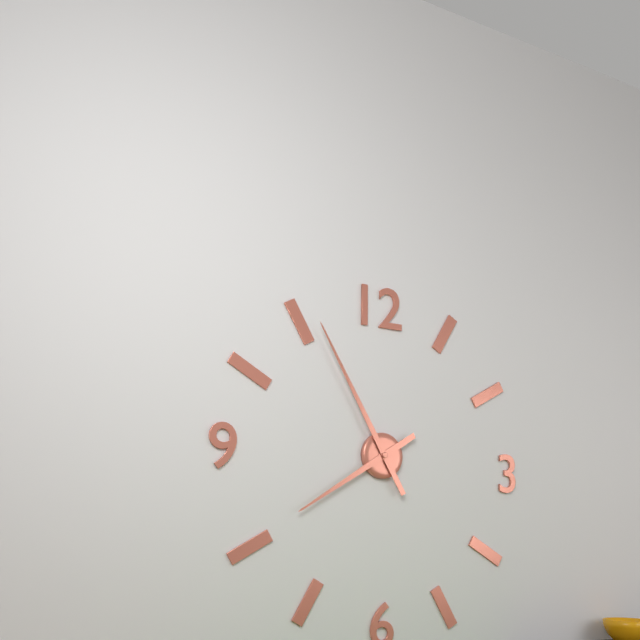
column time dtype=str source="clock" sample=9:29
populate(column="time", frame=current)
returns 7:55
